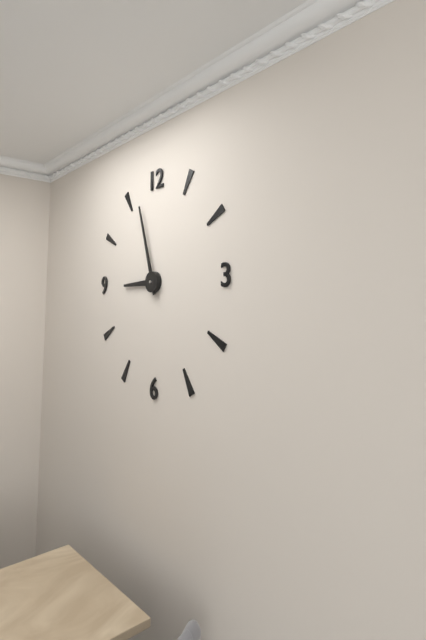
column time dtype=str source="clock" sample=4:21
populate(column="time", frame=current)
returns 8:57
